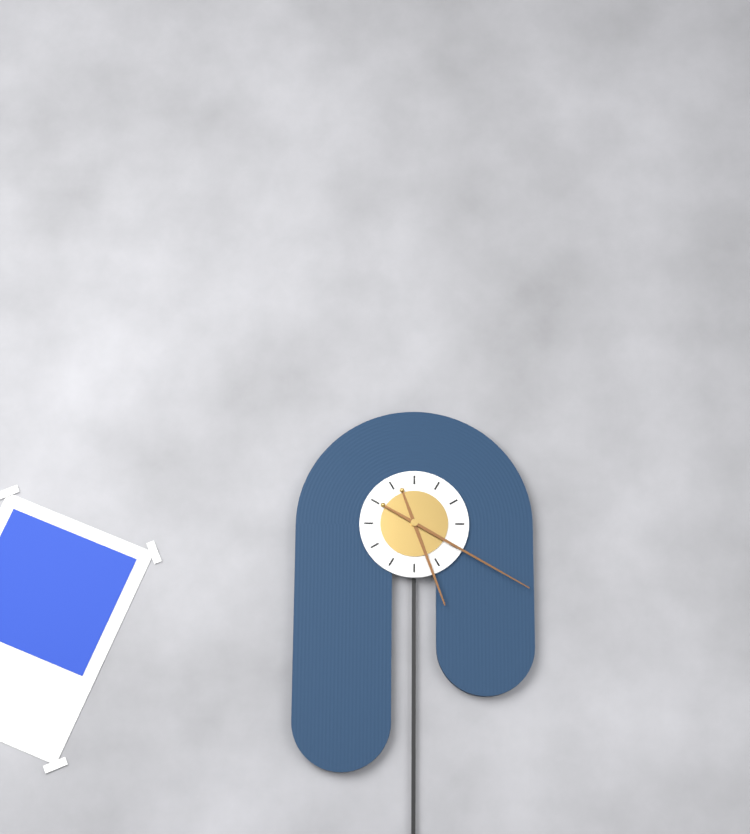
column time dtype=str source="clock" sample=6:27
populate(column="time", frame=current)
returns 5:20
